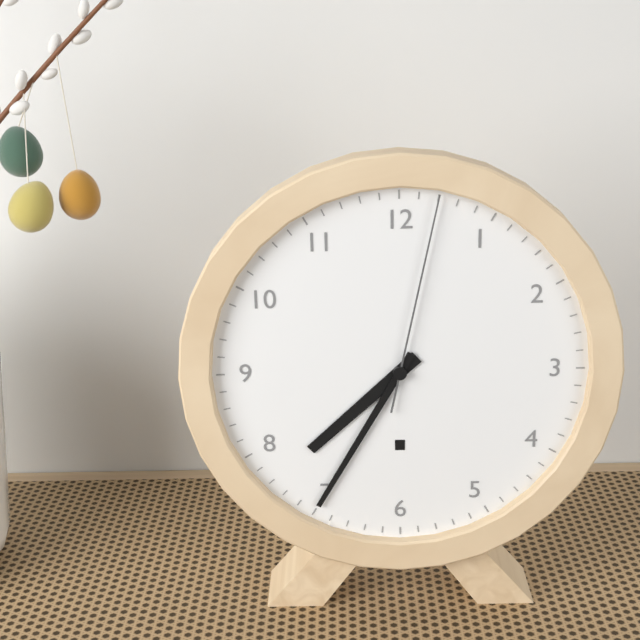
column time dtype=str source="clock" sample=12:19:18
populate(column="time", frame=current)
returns 7:35:02
